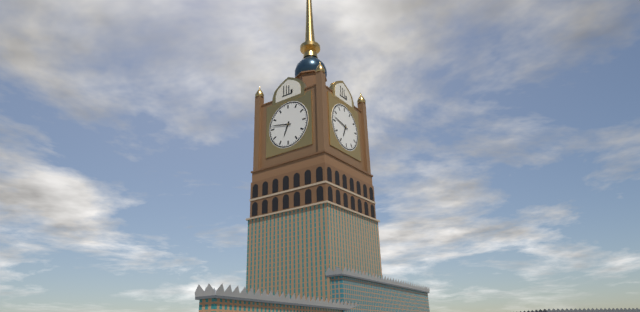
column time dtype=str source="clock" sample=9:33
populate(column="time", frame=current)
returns 6:47
